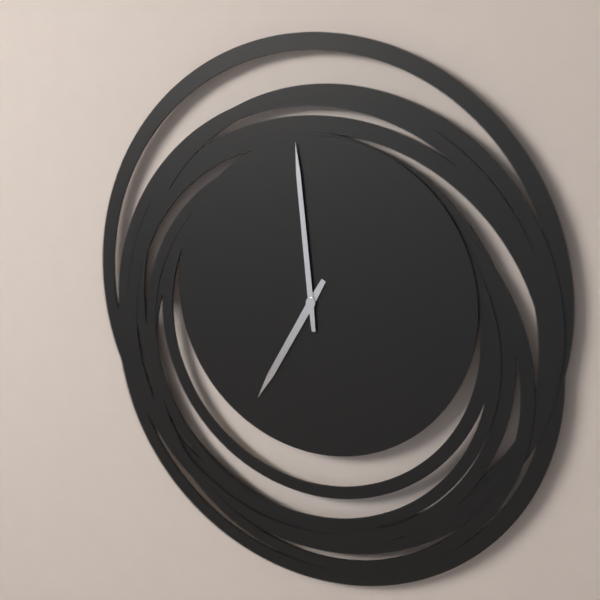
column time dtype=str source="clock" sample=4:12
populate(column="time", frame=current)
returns 6:59
